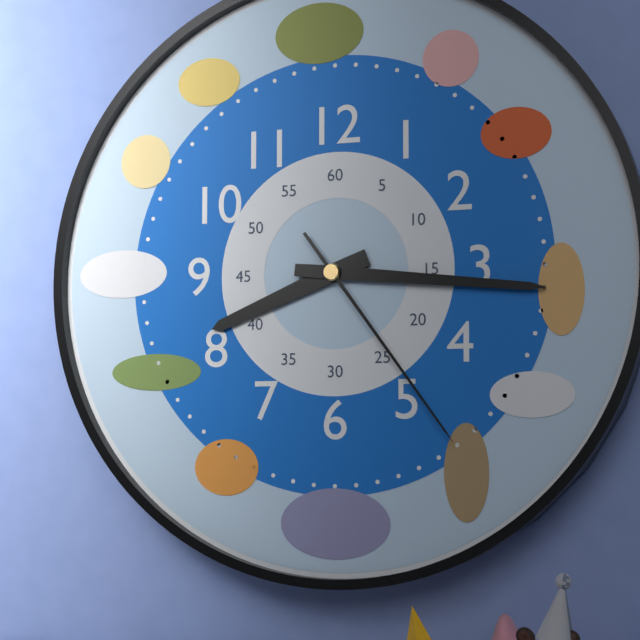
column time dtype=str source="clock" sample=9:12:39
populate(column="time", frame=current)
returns 8:16:24
